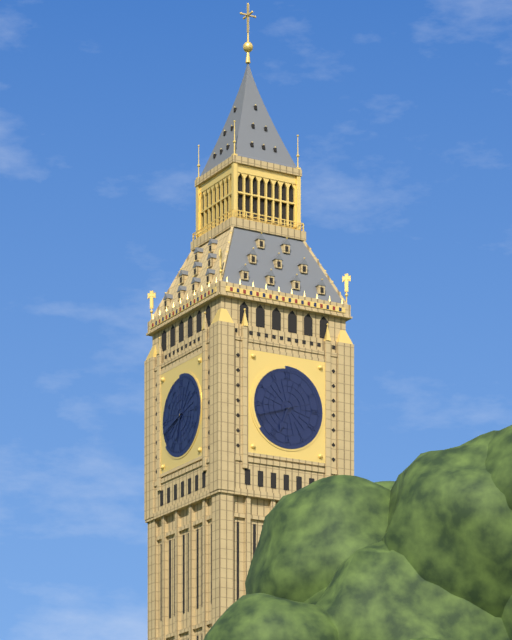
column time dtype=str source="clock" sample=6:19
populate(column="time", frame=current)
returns 6:42
